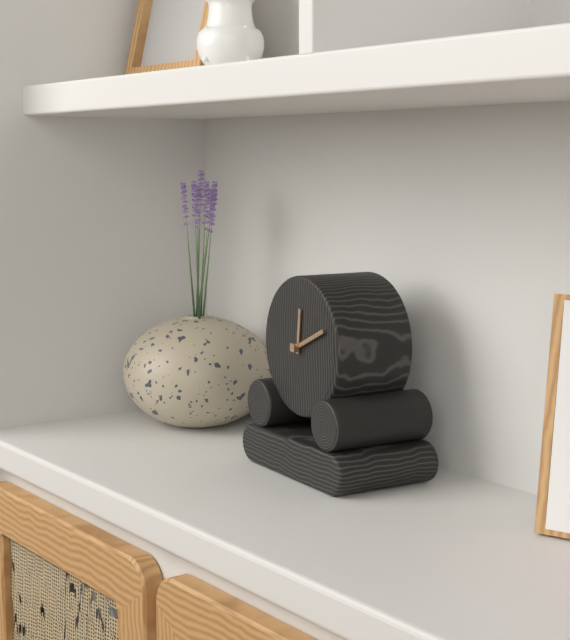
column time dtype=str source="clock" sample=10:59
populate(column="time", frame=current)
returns 12:11
